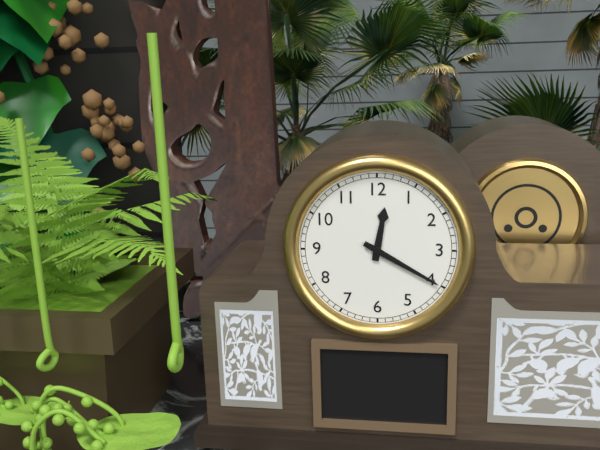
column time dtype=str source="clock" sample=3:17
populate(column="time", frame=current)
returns 12:20
